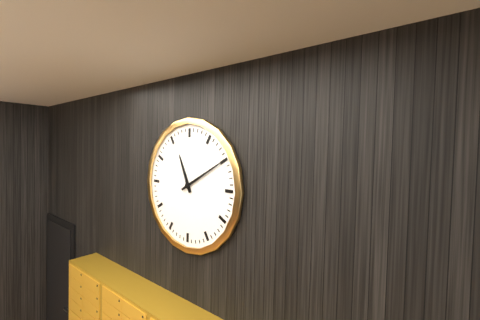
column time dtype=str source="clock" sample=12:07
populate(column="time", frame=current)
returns 11:10
